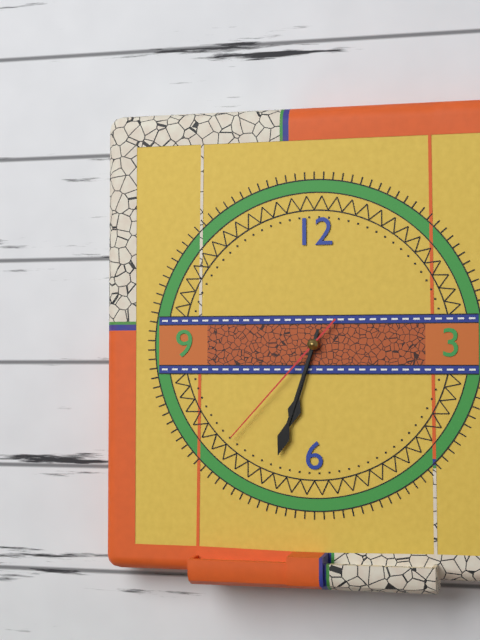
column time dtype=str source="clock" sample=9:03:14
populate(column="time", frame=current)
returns 6:33:37
